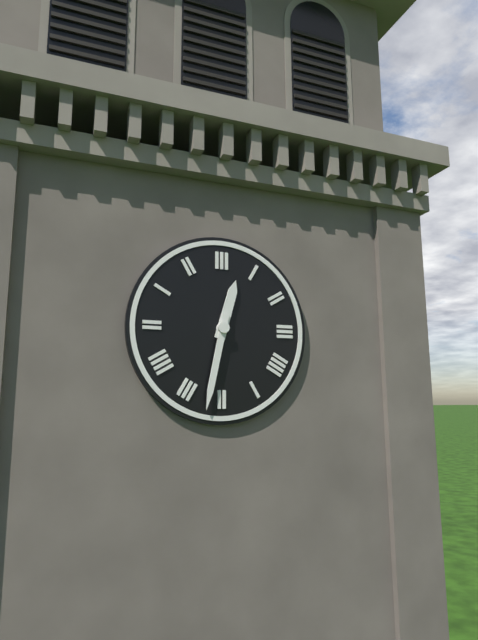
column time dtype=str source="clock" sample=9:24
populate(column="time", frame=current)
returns 12:32
